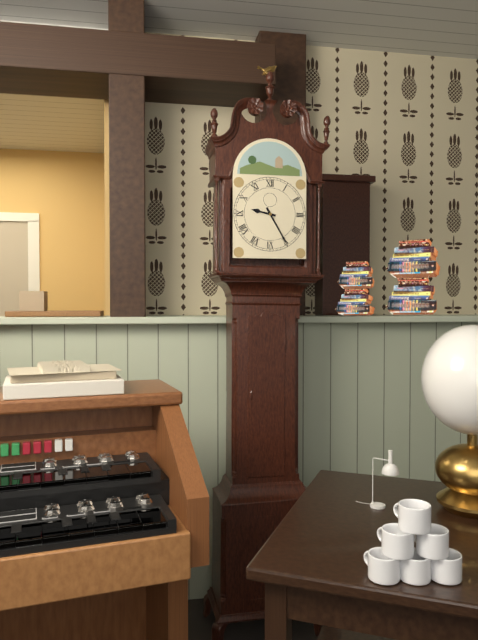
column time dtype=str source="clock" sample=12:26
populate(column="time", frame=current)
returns 9:25
